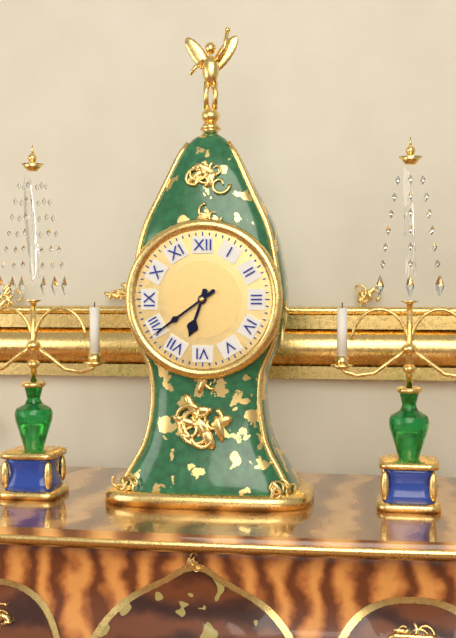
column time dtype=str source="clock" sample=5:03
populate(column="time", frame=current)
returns 6:39
